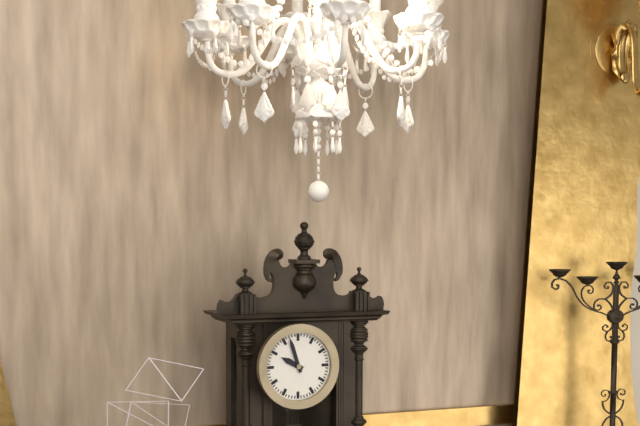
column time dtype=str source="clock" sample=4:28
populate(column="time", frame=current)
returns 9:57
